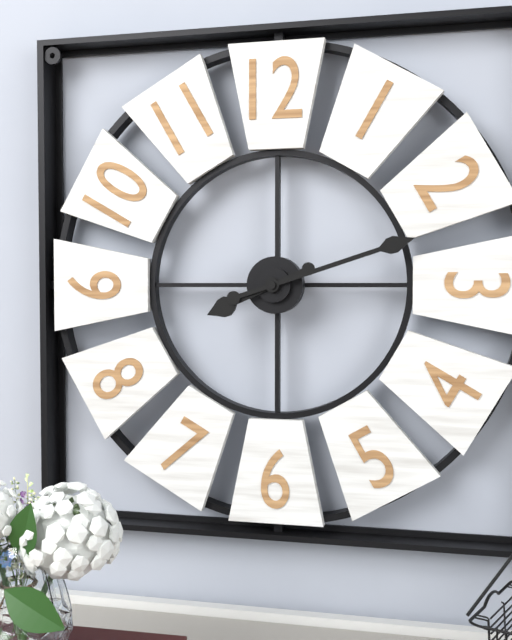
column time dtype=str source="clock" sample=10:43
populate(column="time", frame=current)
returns 8:12
